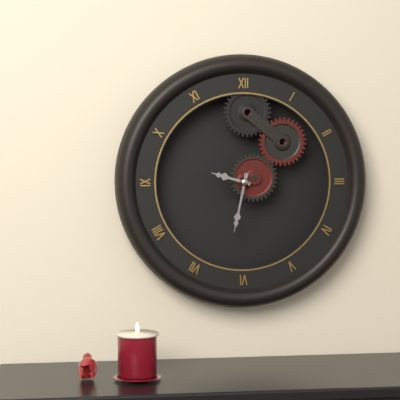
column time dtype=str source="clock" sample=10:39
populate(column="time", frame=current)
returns 9:32
